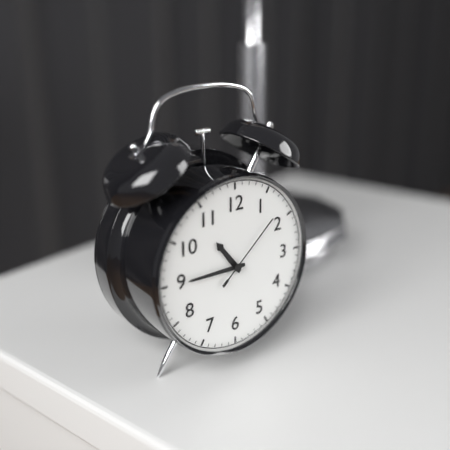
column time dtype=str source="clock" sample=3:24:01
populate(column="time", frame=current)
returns 10:45:08
